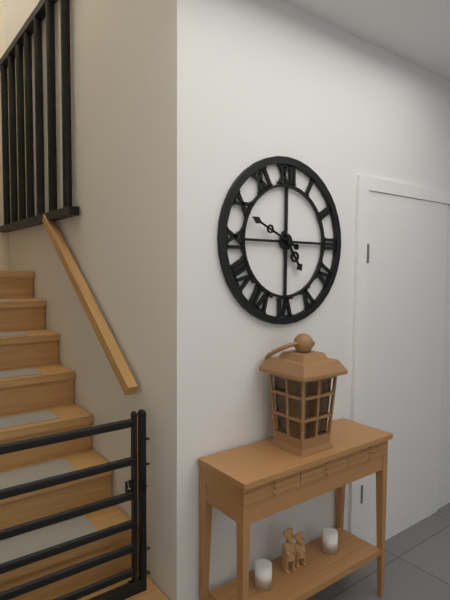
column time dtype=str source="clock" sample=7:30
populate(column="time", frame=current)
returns 4:49
